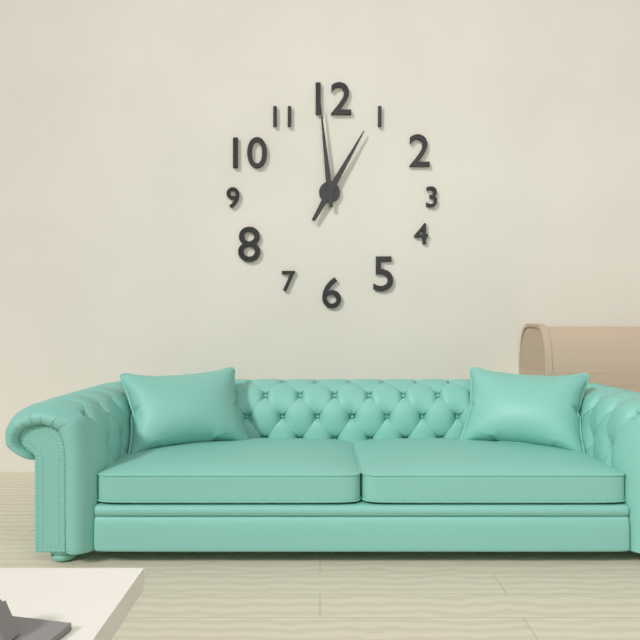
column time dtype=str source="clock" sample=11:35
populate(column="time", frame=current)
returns 12:59
